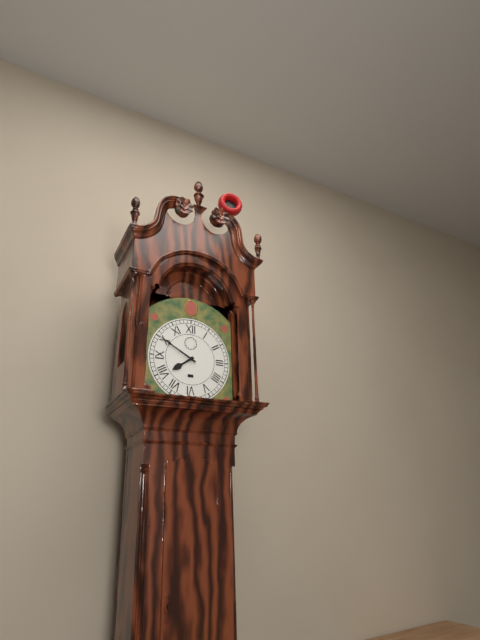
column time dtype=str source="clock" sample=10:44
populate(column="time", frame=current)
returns 7:50
